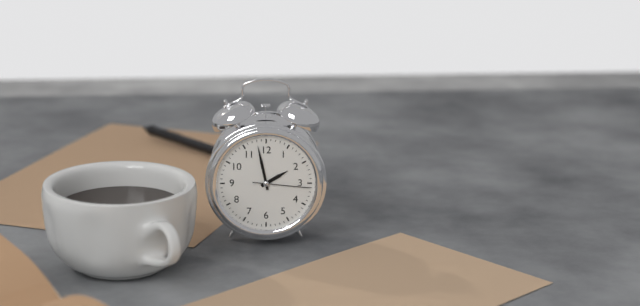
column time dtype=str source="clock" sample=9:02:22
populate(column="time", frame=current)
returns 1:58:16
